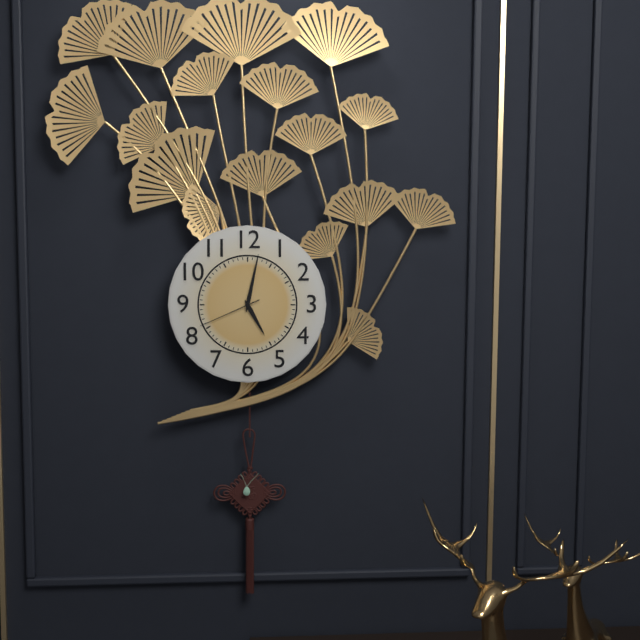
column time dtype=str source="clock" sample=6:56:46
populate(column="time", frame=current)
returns 5:02:41
